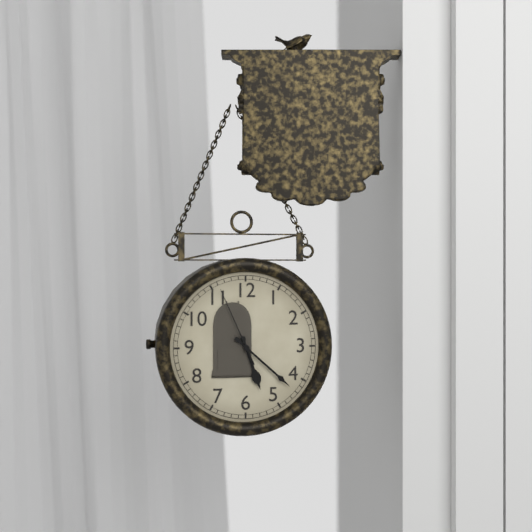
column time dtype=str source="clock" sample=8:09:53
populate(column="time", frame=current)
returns 5:22:56
